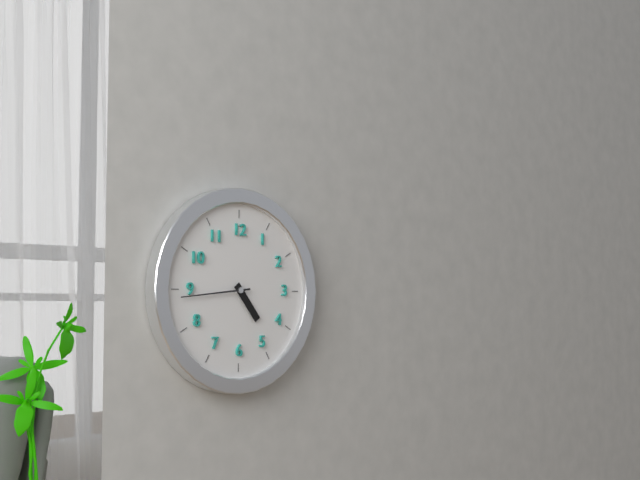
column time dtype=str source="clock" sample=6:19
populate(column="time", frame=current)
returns 4:44
